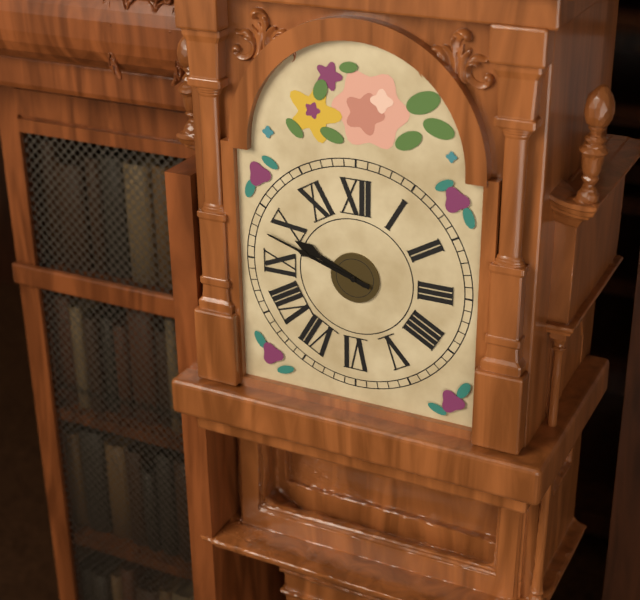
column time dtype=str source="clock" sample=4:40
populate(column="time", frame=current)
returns 9:48
